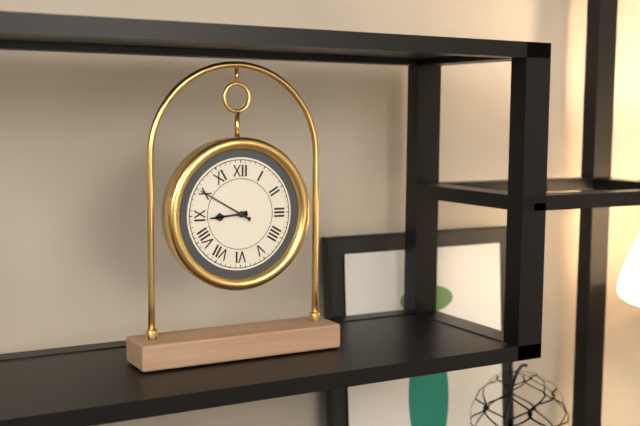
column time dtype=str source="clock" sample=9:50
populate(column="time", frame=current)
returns 8:50
